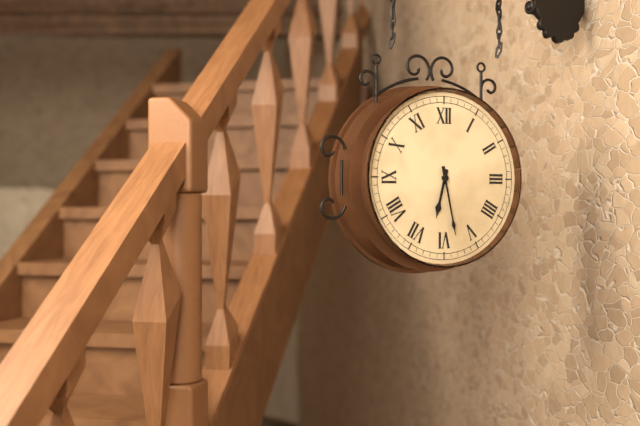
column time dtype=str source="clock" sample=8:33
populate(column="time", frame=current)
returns 6:28
